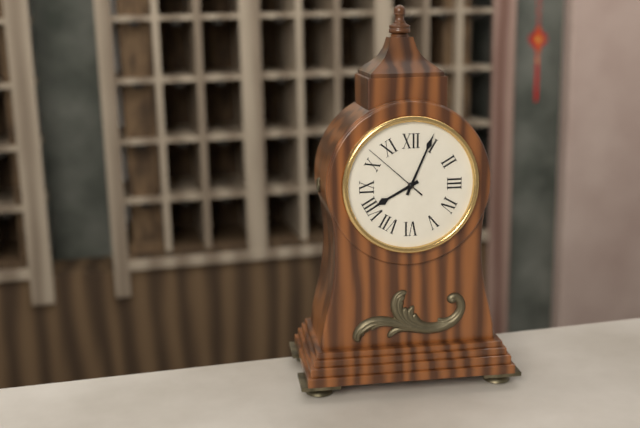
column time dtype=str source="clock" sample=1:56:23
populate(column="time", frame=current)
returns 8:04:52
